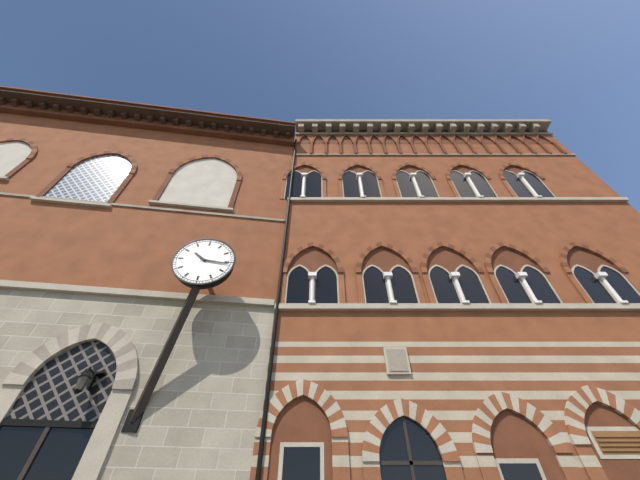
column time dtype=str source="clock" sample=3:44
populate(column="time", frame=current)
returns 10:16
